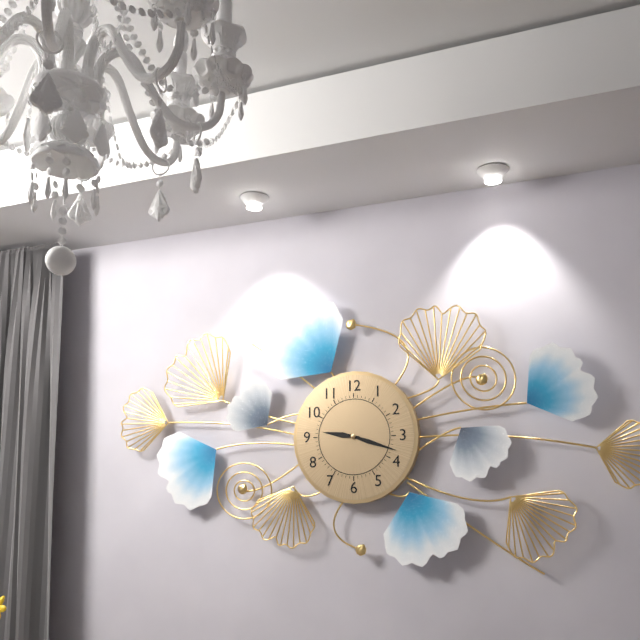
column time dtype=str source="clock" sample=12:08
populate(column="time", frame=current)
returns 9:18
